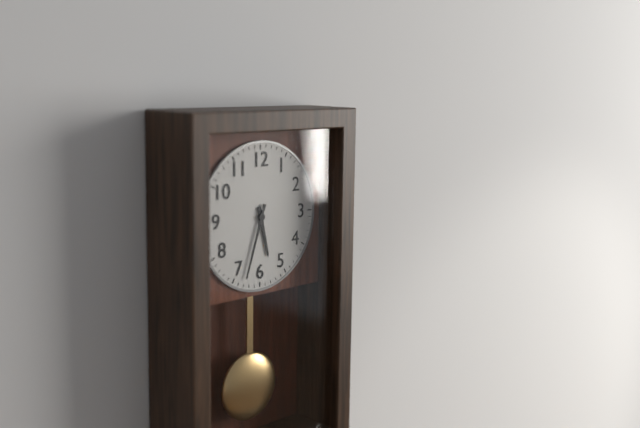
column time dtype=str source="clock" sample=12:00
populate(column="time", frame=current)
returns 5:33
